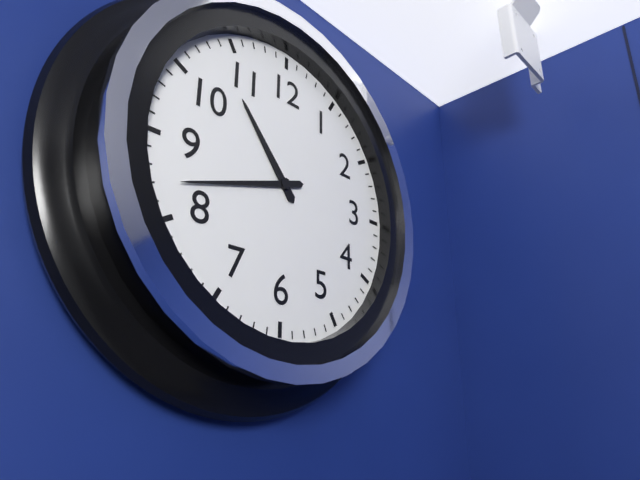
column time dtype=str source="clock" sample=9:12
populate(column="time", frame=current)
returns 10:42
